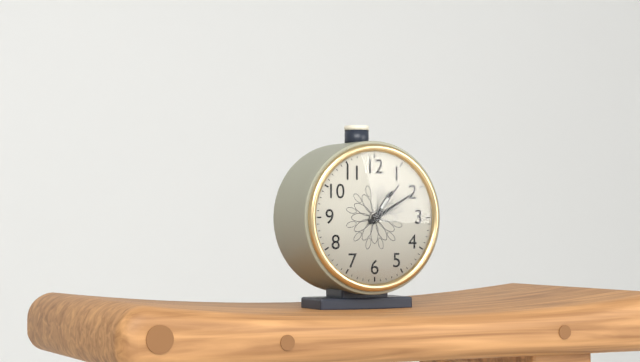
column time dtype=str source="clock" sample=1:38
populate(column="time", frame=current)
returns 1:10
